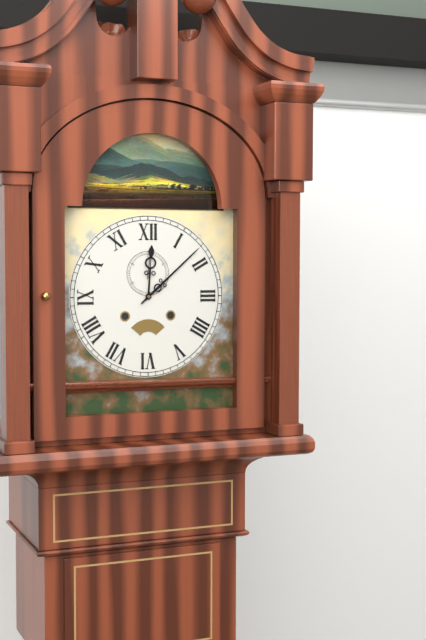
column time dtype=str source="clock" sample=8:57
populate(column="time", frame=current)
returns 12:08
